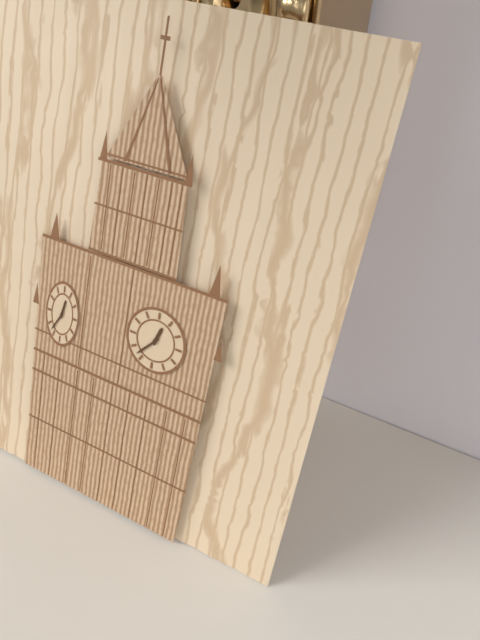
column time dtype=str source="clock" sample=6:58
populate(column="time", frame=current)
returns 12:37
